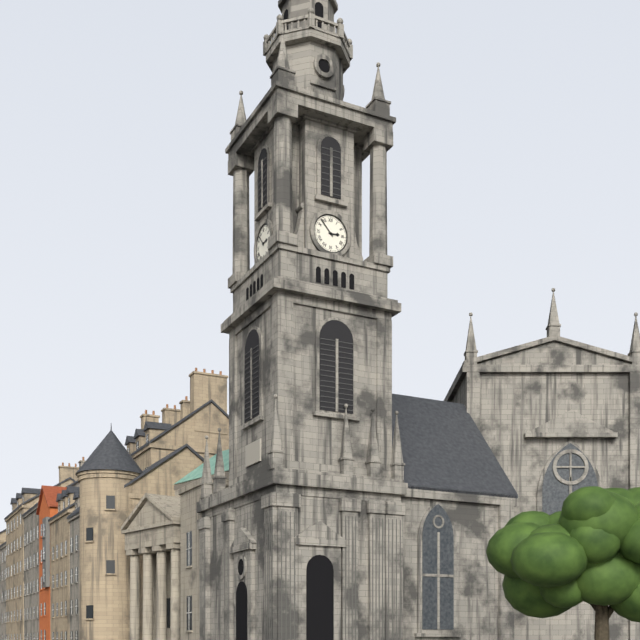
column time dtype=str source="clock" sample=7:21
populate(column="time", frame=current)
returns 2:53
